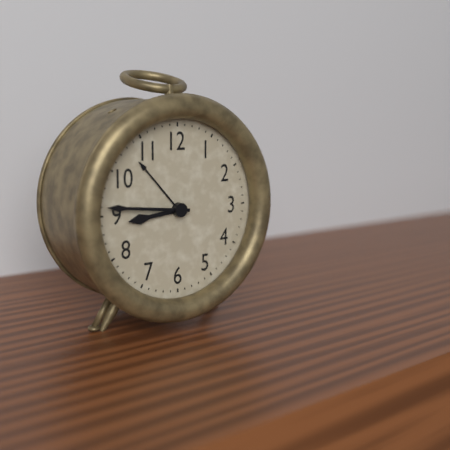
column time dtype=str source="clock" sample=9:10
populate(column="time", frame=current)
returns 8:46
